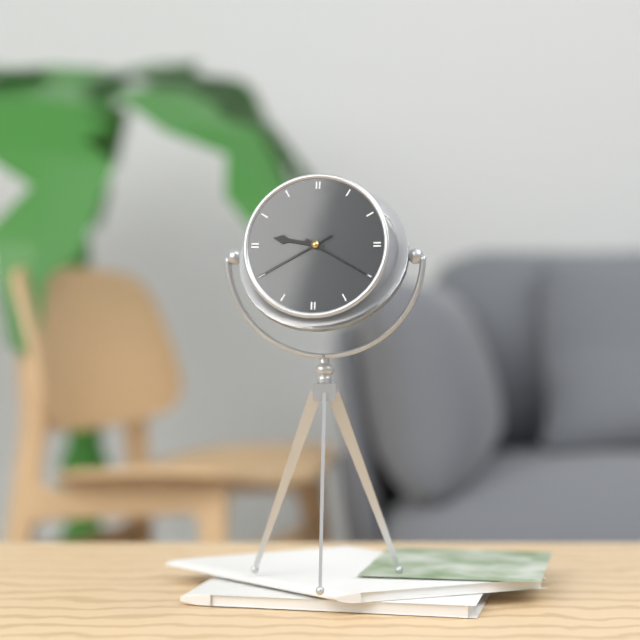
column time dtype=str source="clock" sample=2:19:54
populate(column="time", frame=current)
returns 9:20:40
